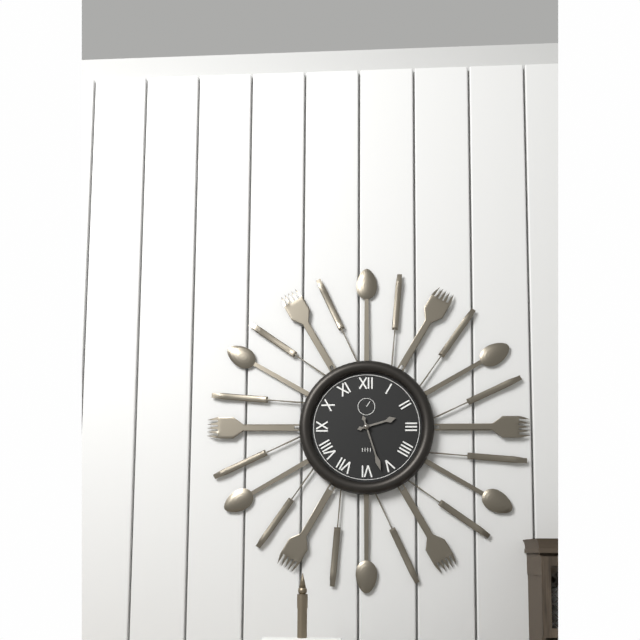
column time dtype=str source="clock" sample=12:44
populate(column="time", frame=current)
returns 2:27
